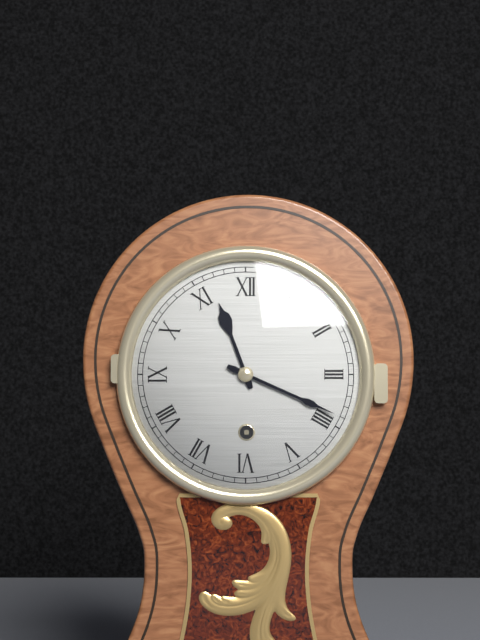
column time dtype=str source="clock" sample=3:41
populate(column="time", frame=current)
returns 11:19
